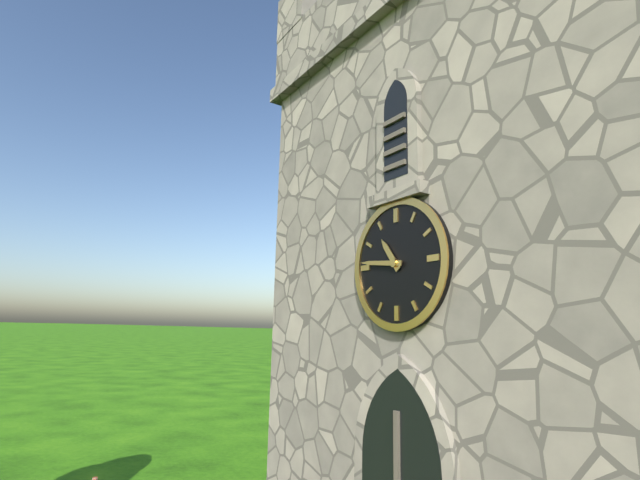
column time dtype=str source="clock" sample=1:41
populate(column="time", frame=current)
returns 10:46
